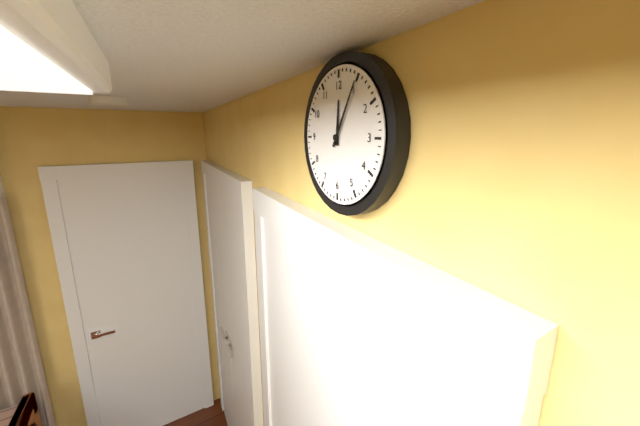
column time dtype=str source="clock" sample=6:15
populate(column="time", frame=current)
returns 12:05
